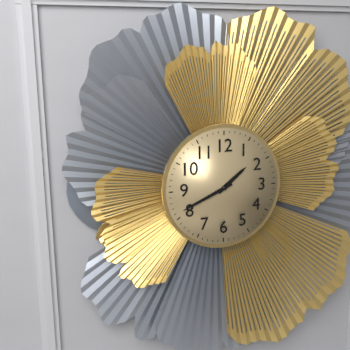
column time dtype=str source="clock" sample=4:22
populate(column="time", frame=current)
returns 1:41
